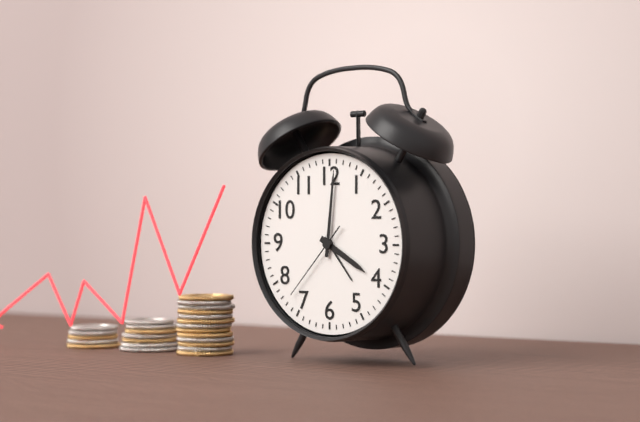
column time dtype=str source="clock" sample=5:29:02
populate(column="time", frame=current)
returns 4:01:37
